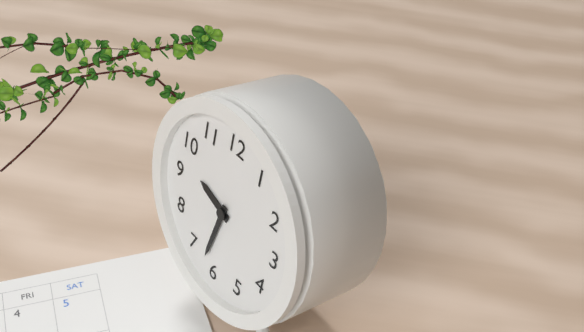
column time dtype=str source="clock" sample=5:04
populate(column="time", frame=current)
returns 9:32
